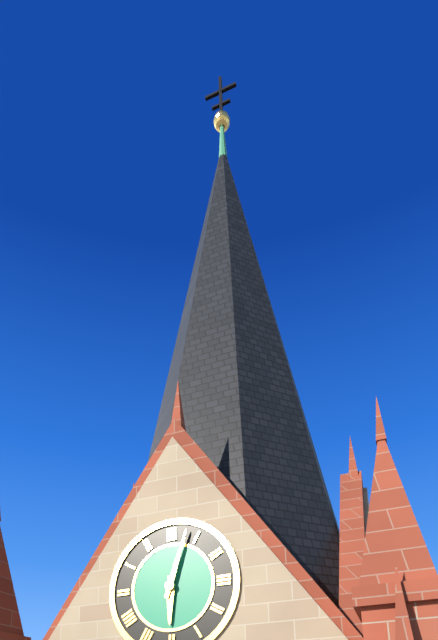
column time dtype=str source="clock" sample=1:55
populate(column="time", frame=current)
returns 6:03
